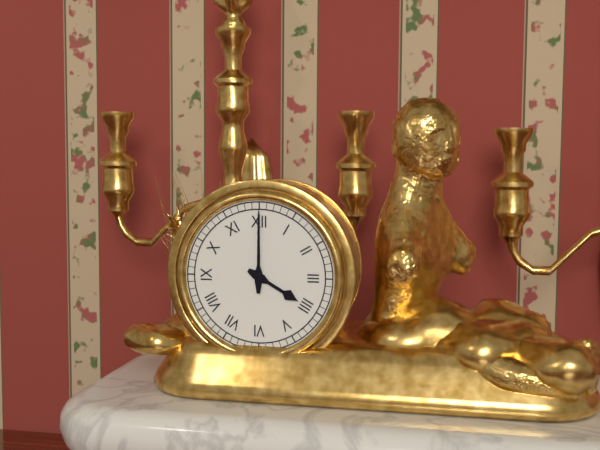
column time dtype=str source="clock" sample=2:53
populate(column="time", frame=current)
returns 4:00
